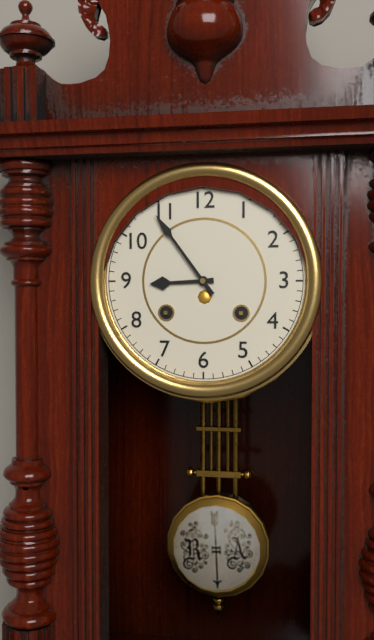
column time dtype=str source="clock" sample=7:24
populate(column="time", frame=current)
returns 8:54
